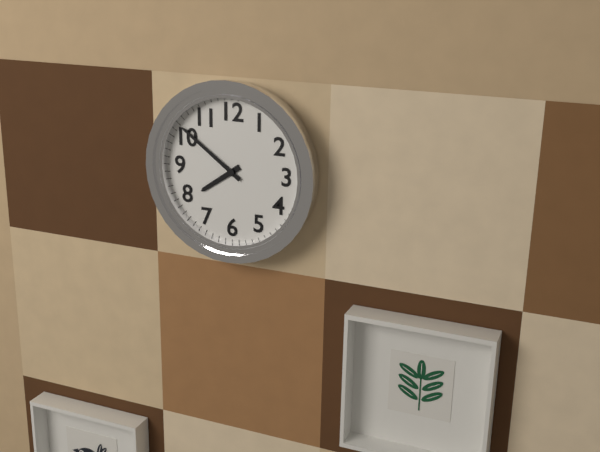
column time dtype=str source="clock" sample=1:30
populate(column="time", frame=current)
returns 7:51
